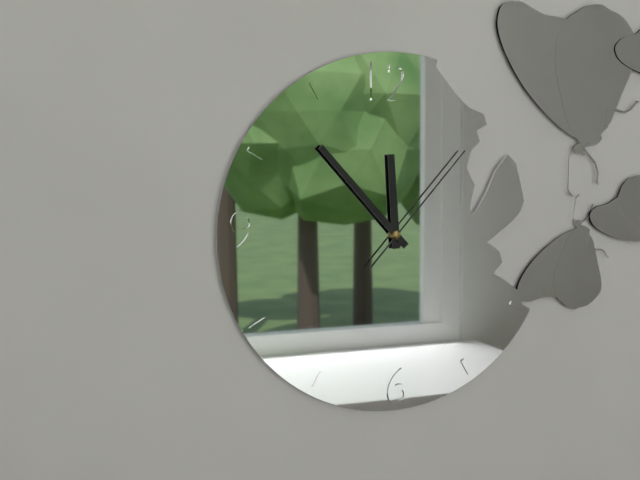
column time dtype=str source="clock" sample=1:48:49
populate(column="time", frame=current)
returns 11:53:07
